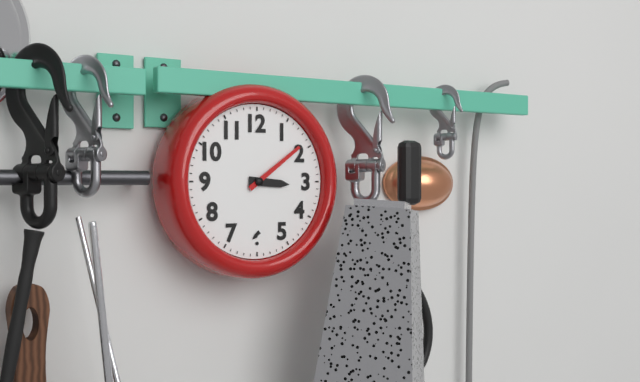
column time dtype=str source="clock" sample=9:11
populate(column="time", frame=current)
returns 3:09
